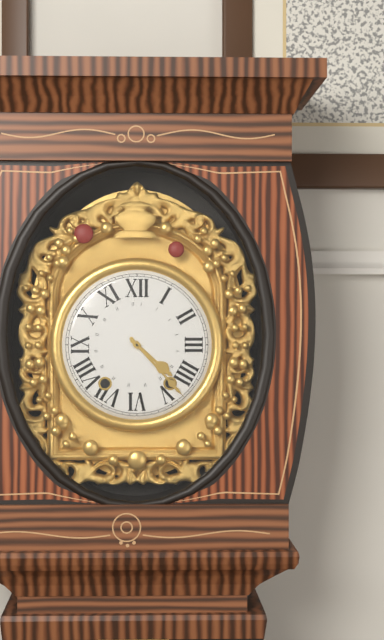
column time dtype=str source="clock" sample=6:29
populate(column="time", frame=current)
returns 4:23
